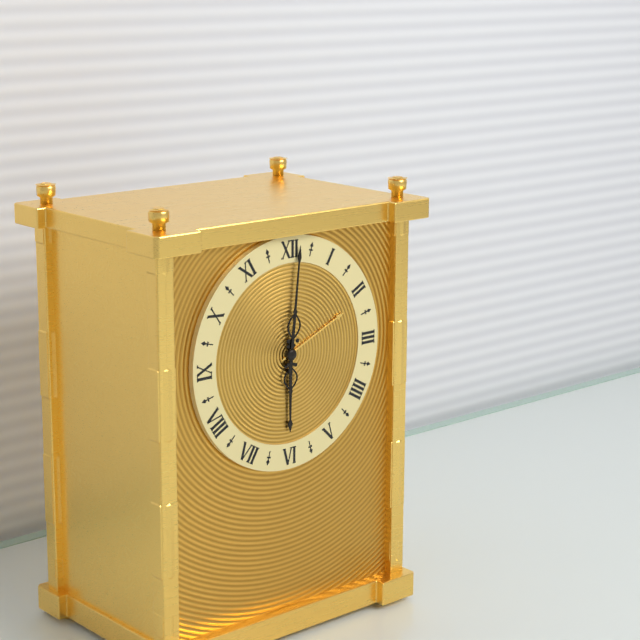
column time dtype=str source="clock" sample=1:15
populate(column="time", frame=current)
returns 6:01
